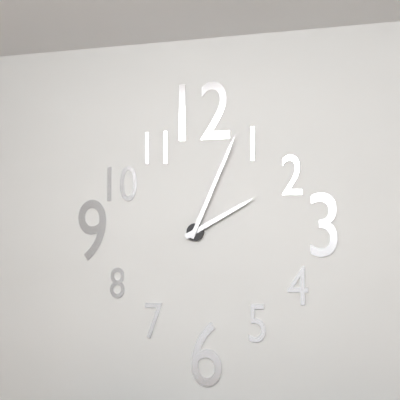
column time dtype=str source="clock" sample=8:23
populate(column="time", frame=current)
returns 2:04
